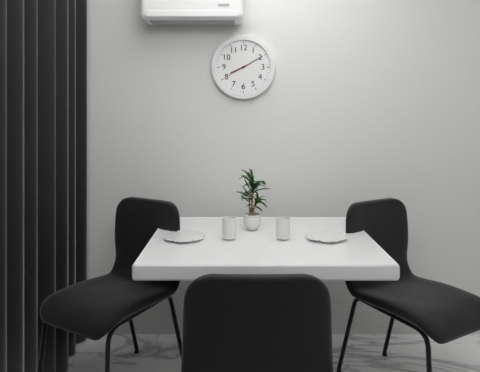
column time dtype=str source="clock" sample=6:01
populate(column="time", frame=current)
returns 8:10
